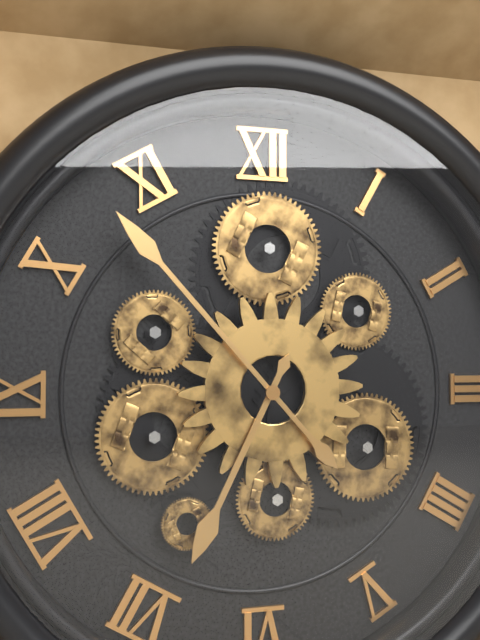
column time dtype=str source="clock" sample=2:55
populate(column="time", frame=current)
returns 6:53
